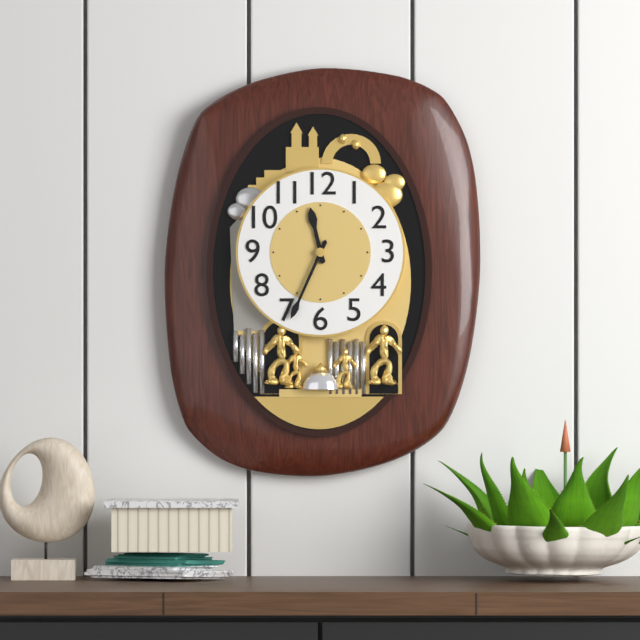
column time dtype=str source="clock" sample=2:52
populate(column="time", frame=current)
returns 11:34
